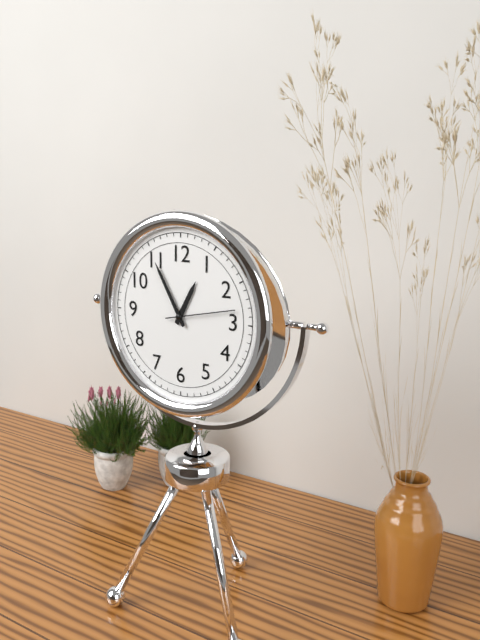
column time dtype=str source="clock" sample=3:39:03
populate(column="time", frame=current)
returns 12:55:13
